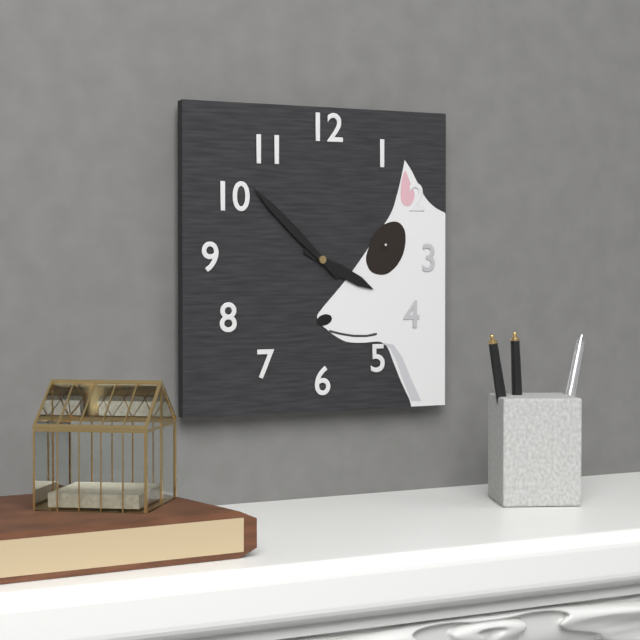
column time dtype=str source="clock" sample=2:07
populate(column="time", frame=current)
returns 3:52
